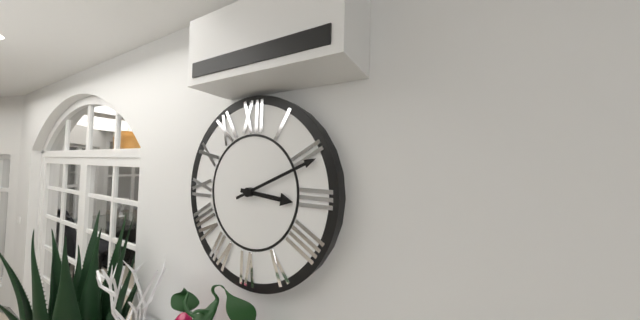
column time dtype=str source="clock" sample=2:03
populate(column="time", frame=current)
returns 3:11
